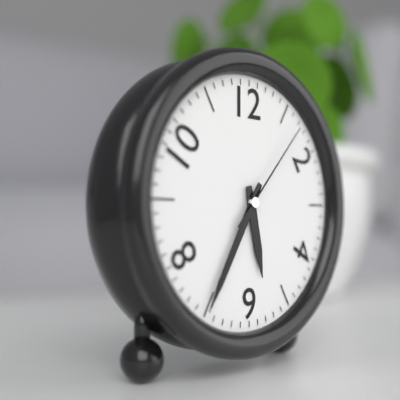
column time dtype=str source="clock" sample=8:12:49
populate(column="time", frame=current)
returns 5:35:07
